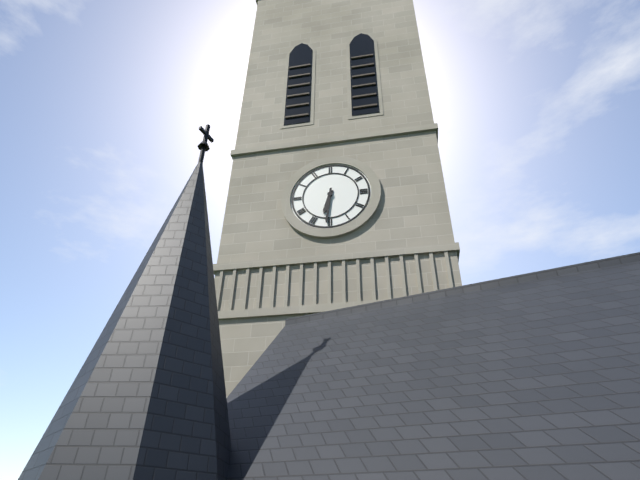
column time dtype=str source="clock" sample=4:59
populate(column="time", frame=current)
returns 6:31
